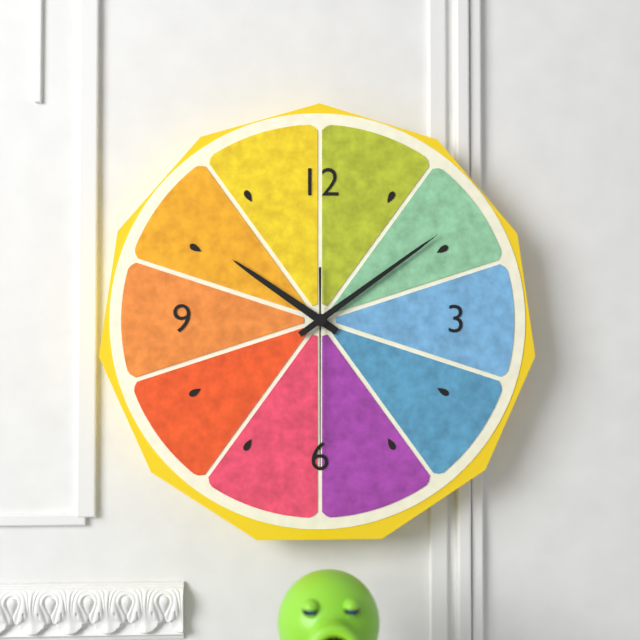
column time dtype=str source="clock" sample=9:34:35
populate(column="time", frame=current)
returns 10:09:30
